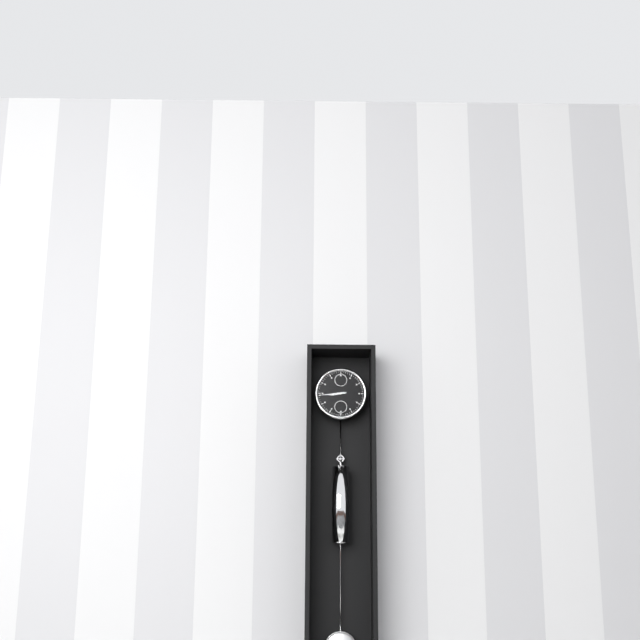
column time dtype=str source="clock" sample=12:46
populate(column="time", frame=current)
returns 8:44
